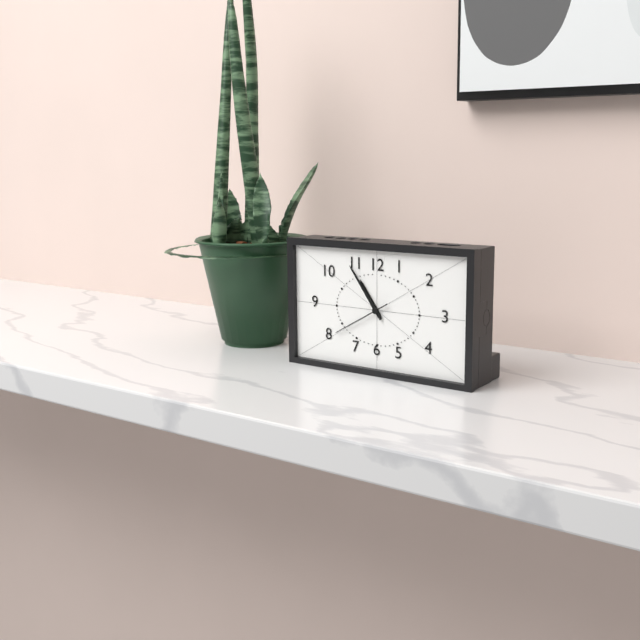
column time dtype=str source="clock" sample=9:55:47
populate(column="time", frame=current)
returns 10:54:40
